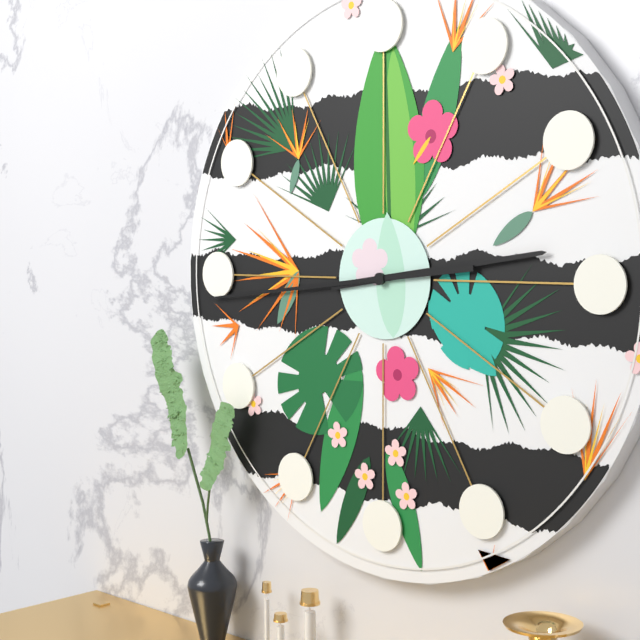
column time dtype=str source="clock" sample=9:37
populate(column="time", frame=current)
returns 2:44
